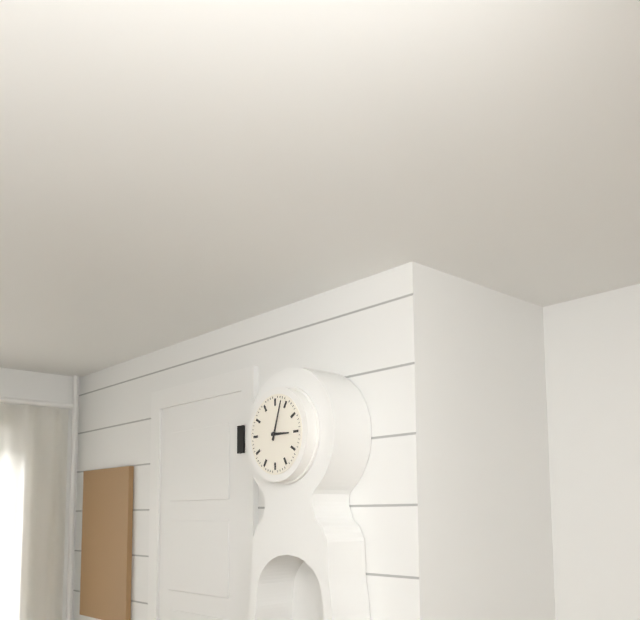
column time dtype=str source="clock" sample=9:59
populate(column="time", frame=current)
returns 3:03
